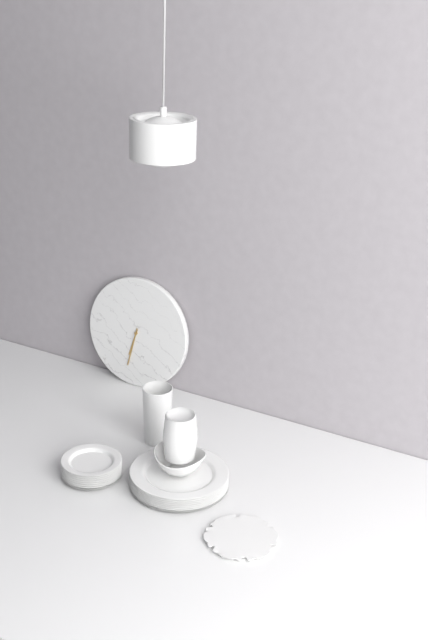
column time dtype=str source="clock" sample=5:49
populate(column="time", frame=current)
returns 6:32
